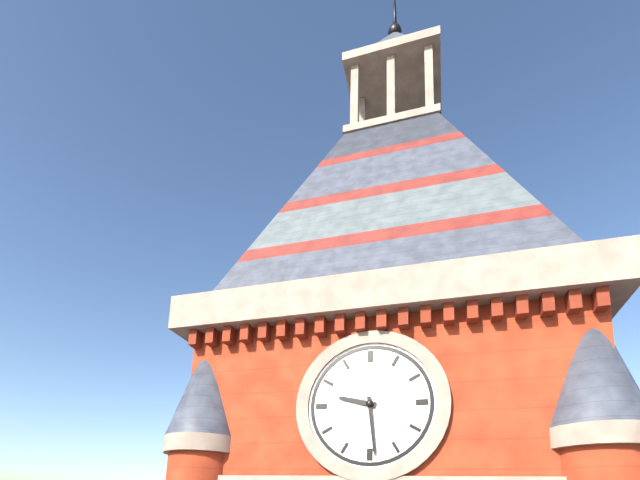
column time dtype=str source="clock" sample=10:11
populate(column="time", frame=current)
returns 9:29
